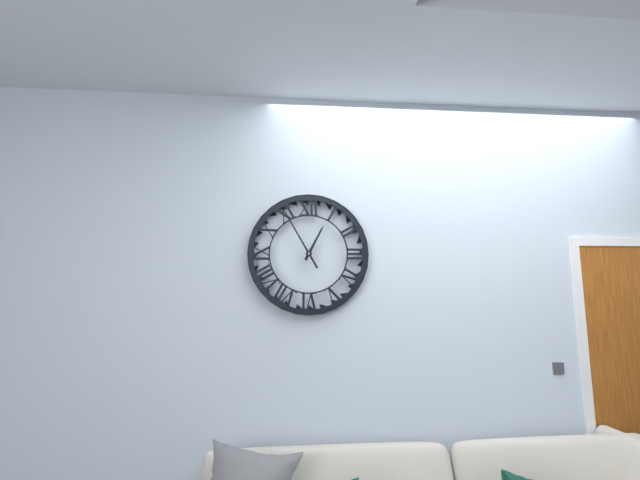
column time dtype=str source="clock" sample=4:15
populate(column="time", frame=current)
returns 12:55
